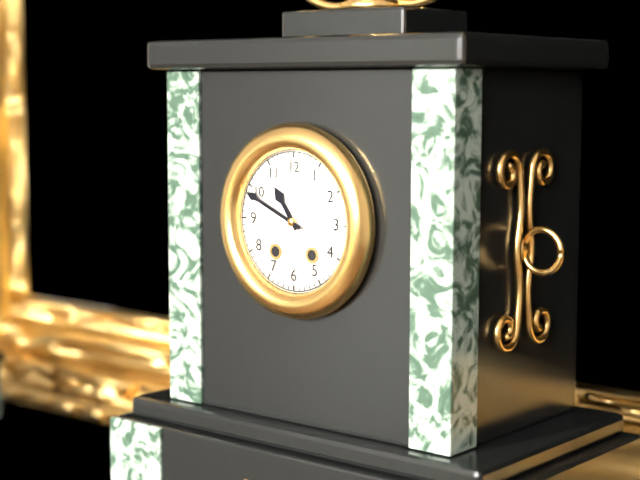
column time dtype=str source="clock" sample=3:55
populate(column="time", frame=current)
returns 10:49
